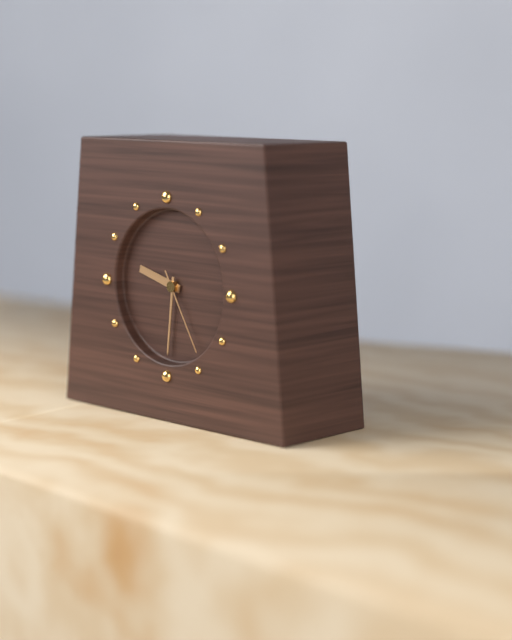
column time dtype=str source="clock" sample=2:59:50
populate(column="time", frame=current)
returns 9:31:25
